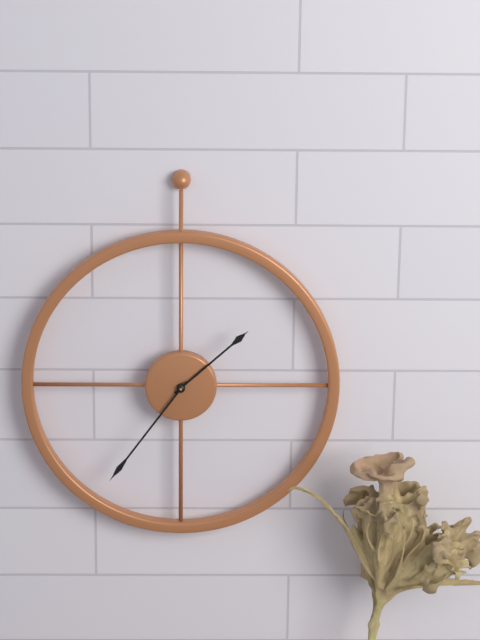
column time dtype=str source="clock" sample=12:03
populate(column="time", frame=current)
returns 1:36
